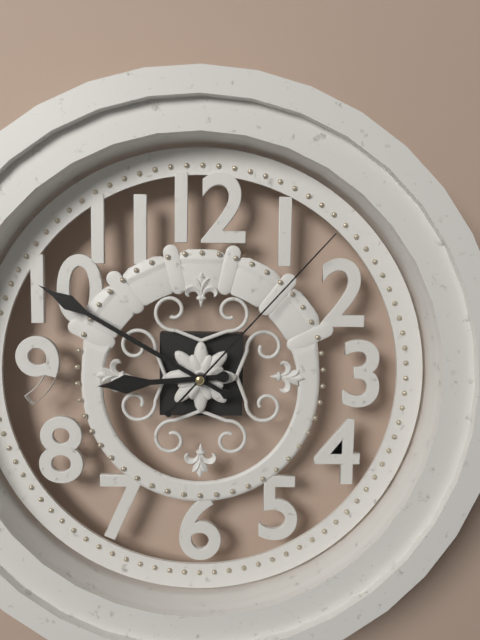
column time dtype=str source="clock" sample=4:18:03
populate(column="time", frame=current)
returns 8:50:07
